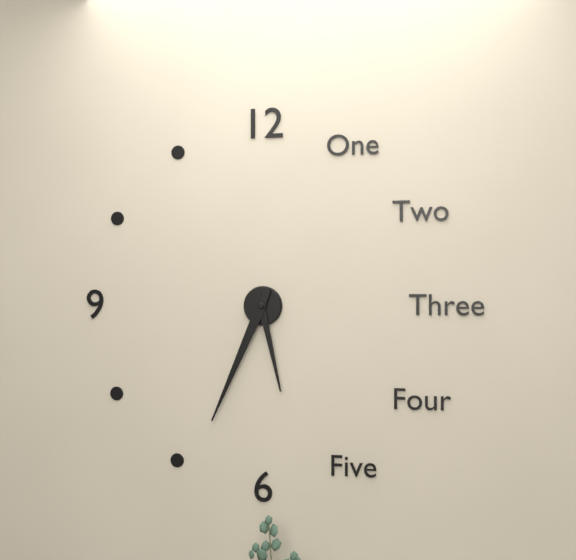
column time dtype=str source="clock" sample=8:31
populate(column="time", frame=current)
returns 5:34
